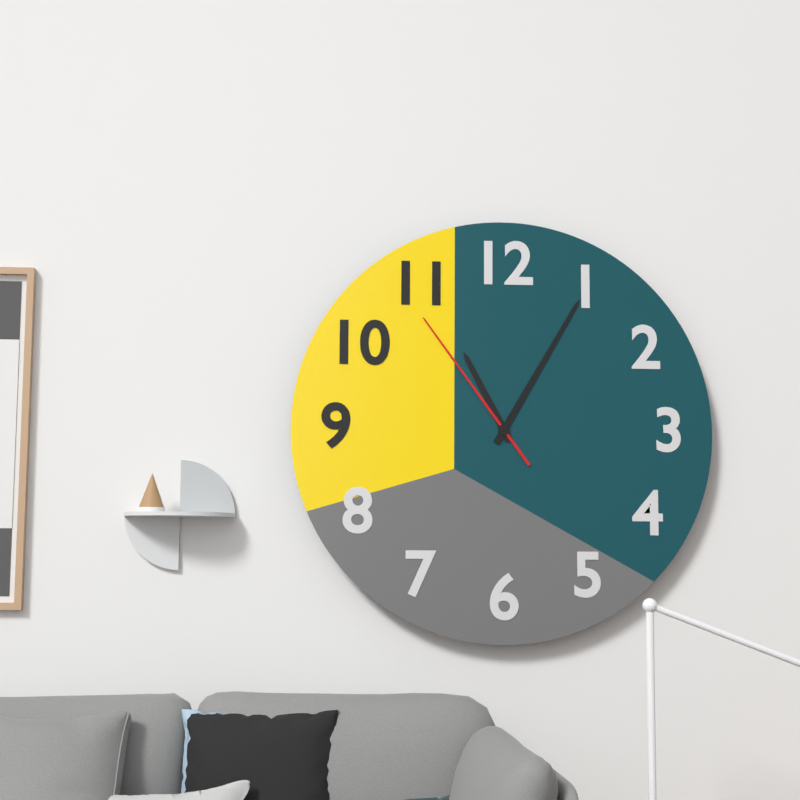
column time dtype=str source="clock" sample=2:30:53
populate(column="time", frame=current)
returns 11:05:54
